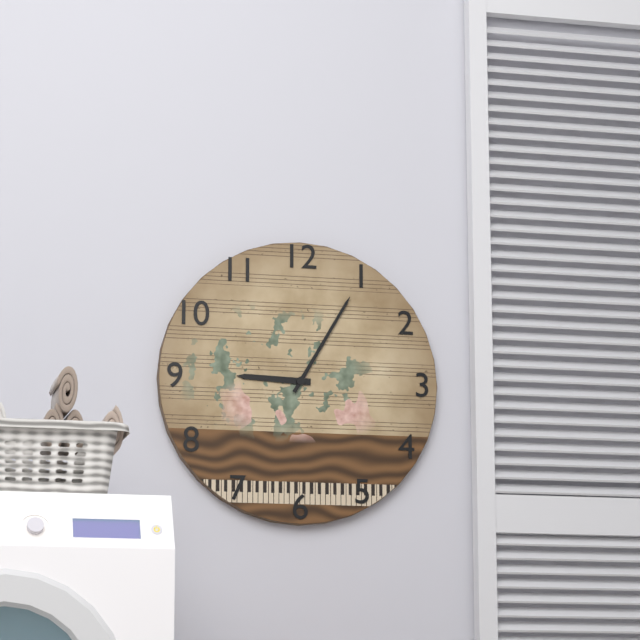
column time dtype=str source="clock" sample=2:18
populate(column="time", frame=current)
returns 9:05
